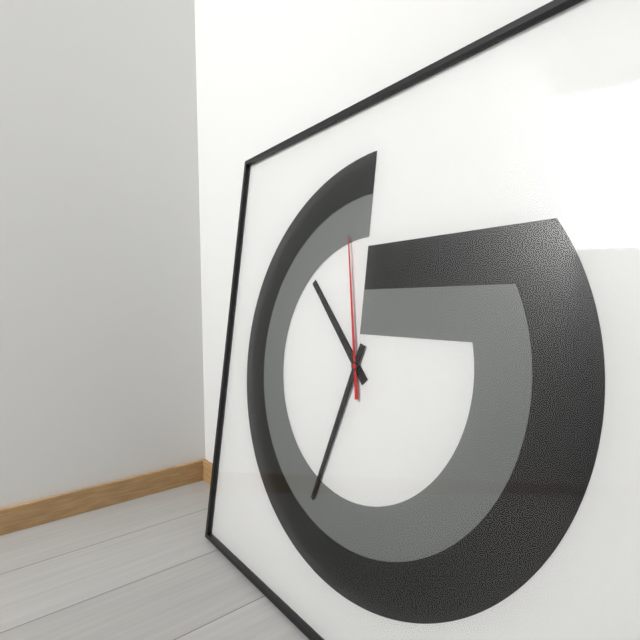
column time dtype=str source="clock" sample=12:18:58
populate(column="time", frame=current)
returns 10:33:58
